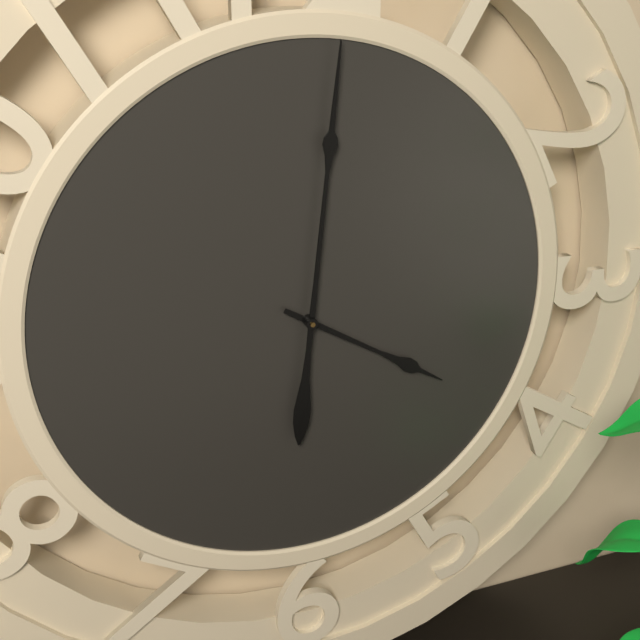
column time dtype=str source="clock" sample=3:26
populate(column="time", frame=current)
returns 4:01
